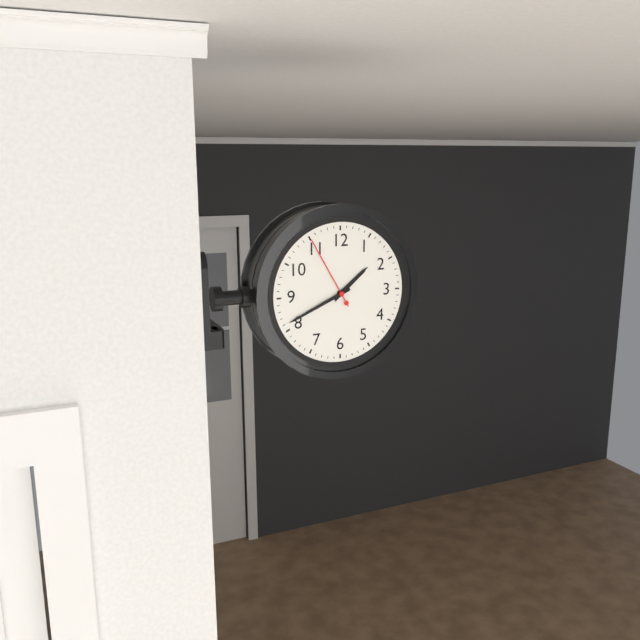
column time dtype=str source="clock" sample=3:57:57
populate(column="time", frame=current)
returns 1:41:55
